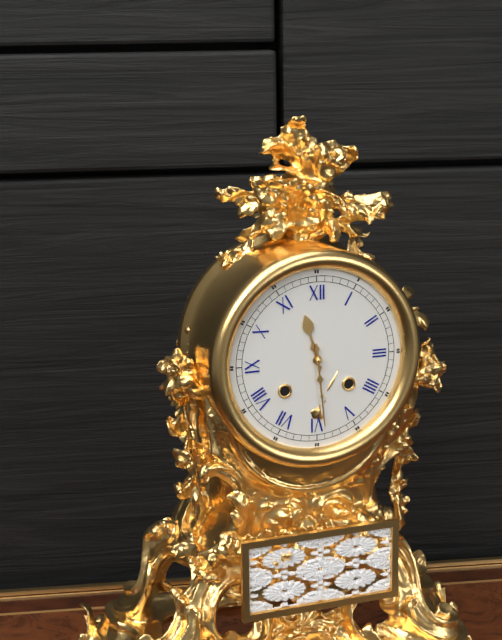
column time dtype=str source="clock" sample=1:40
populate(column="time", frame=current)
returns 11:29
